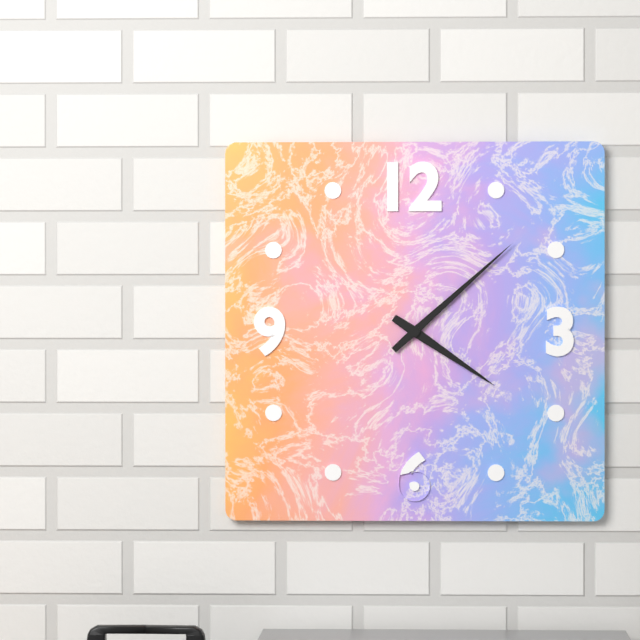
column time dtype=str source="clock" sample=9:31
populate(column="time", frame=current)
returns 4:08
